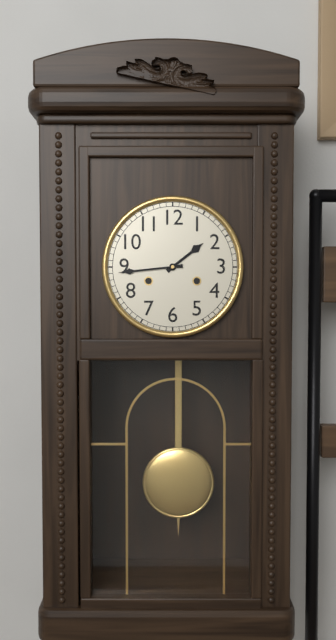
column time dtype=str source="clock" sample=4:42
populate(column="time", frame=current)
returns 1:44
